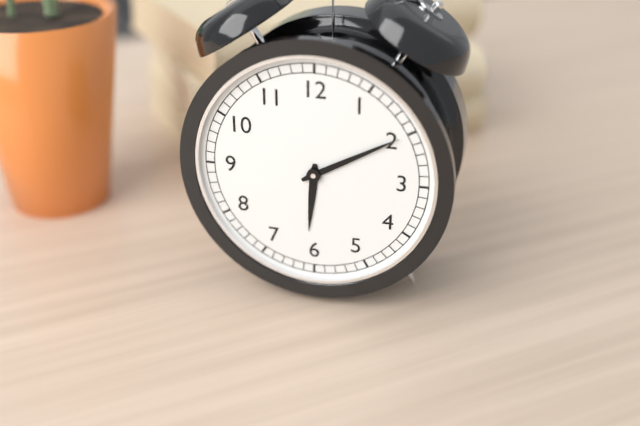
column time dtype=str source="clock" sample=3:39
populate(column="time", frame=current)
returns 6:10
